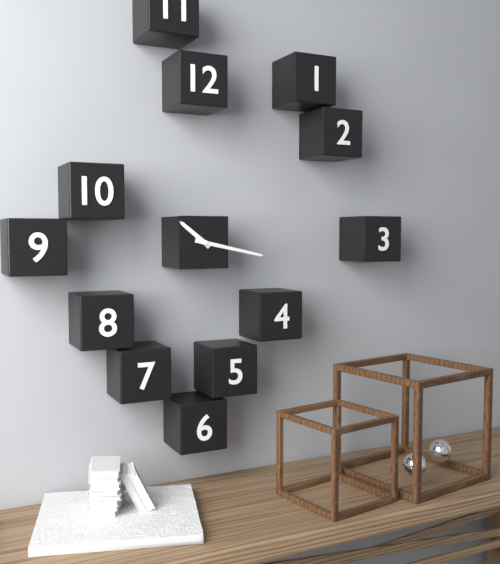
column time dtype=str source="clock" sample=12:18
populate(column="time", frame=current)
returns 10:17
